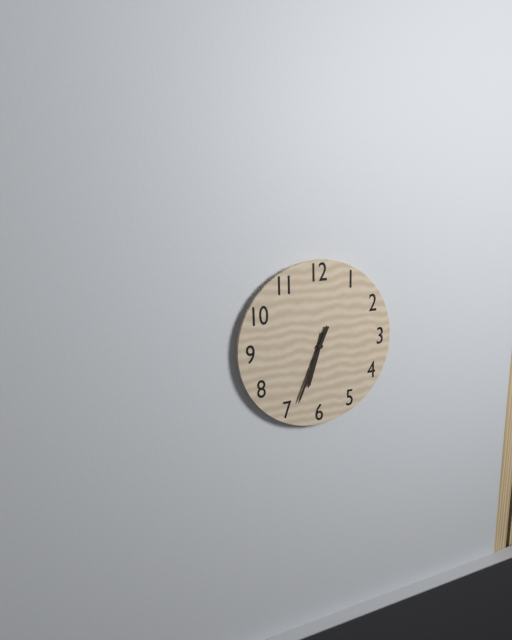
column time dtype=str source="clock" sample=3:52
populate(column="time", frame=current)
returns 6:34
